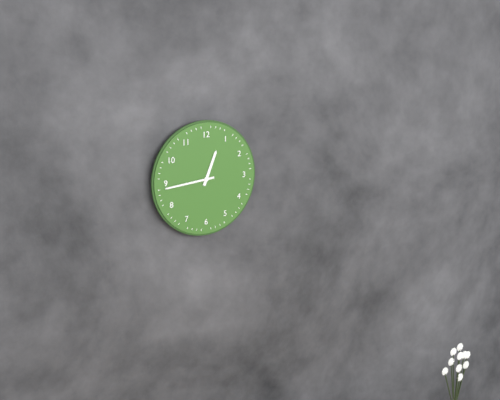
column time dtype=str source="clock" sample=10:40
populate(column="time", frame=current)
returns 12:44
